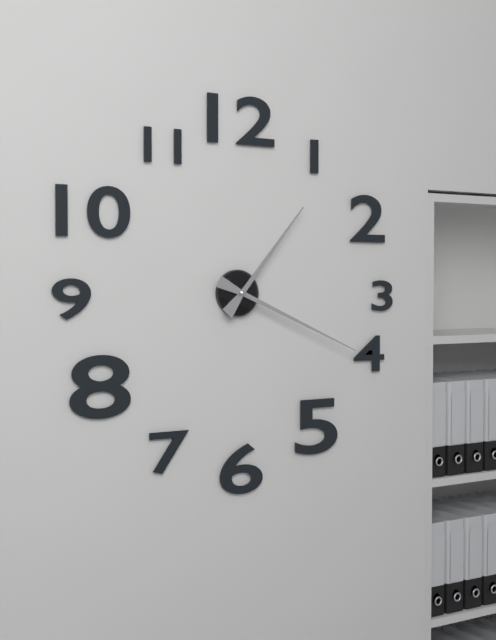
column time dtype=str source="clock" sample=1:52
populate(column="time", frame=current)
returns 1:19
